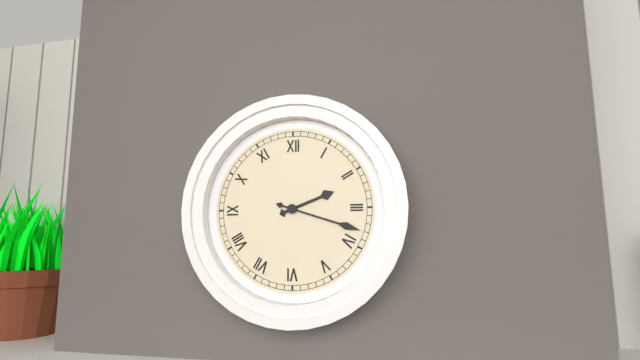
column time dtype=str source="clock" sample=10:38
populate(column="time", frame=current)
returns 2:18
